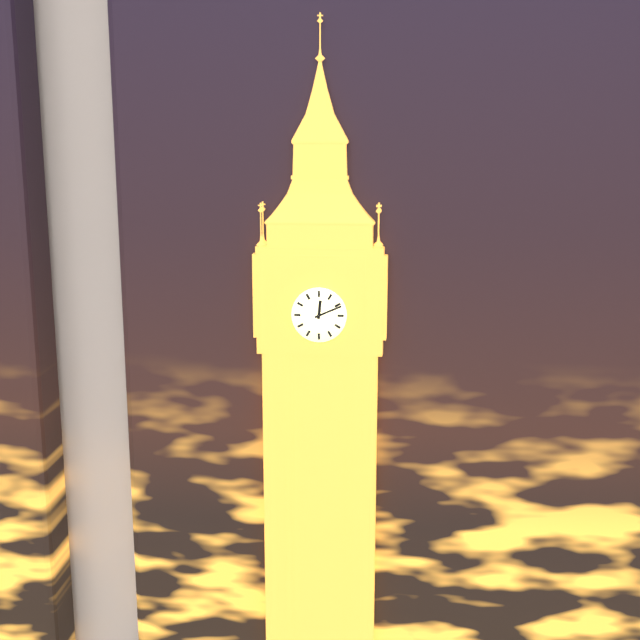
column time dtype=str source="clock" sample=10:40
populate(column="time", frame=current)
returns 12:11
